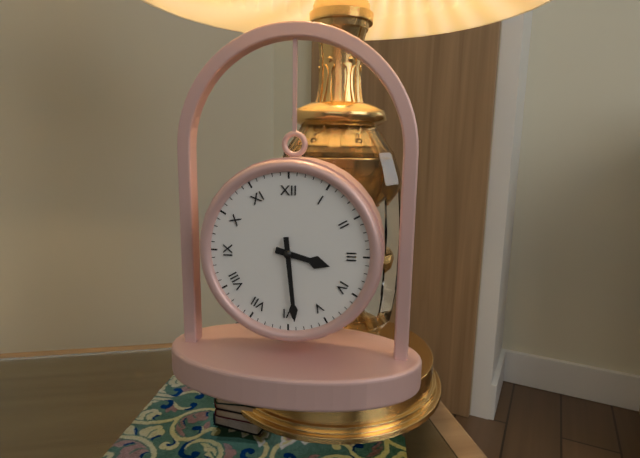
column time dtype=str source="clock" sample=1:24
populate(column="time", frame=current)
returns 3:29
